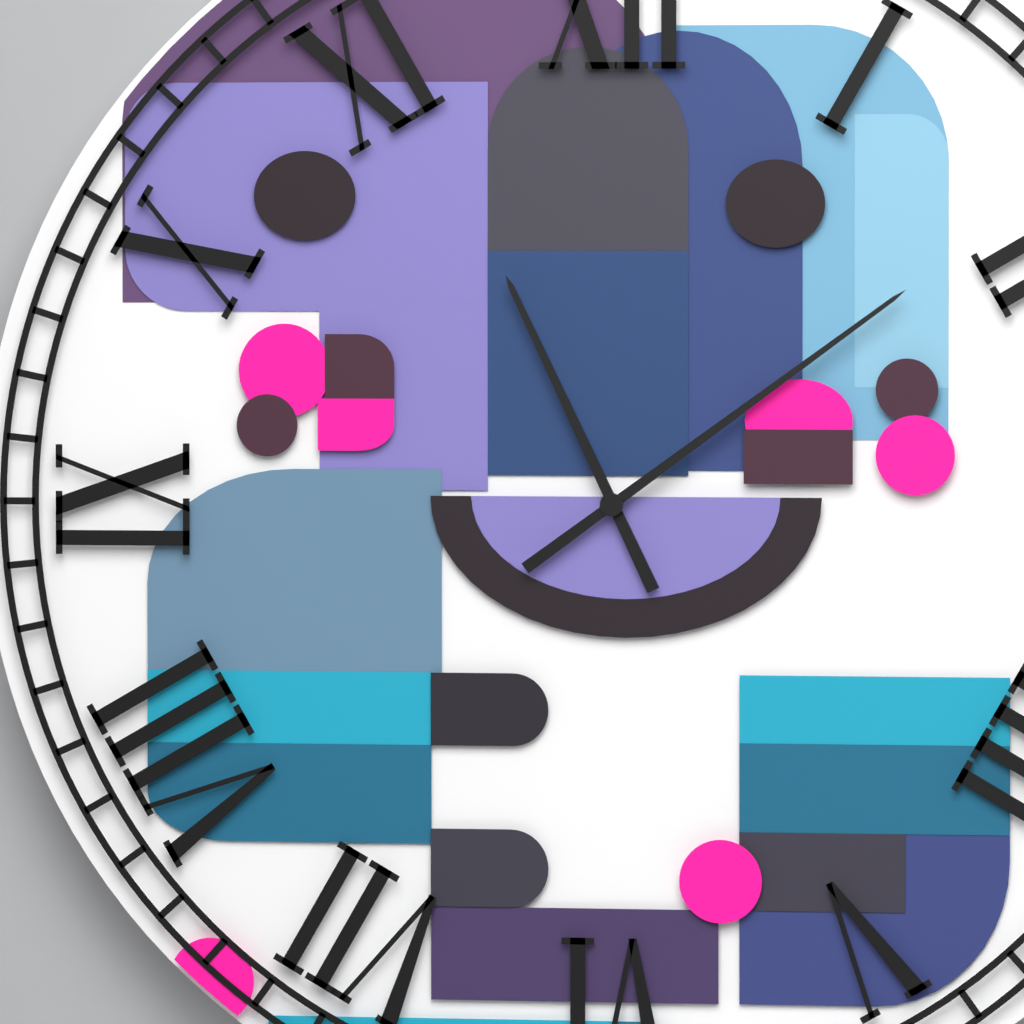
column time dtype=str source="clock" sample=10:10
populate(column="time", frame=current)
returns 11:09
